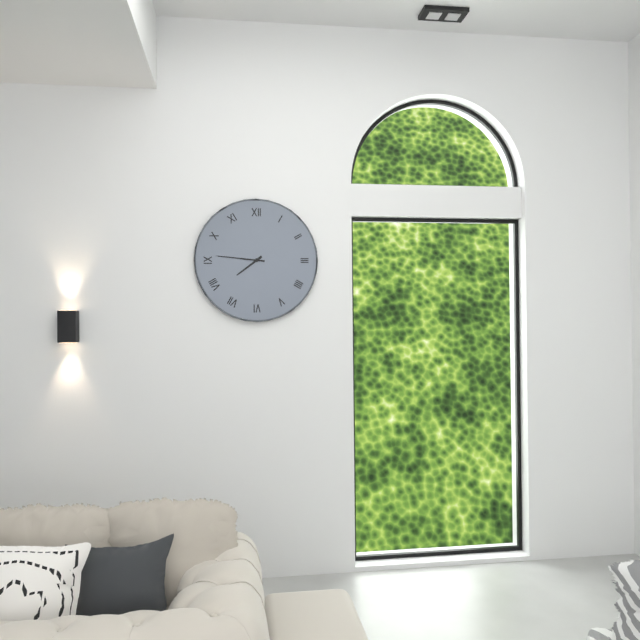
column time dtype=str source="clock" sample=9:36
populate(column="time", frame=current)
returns 7:46
